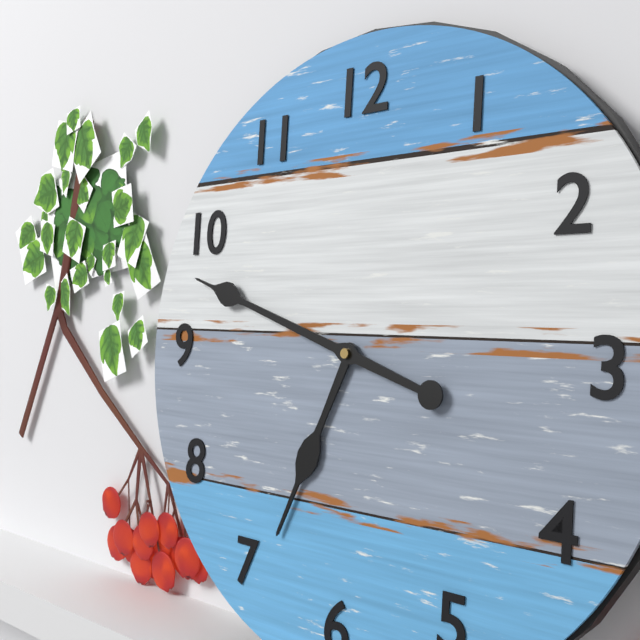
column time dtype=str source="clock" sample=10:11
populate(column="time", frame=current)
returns 6:48
